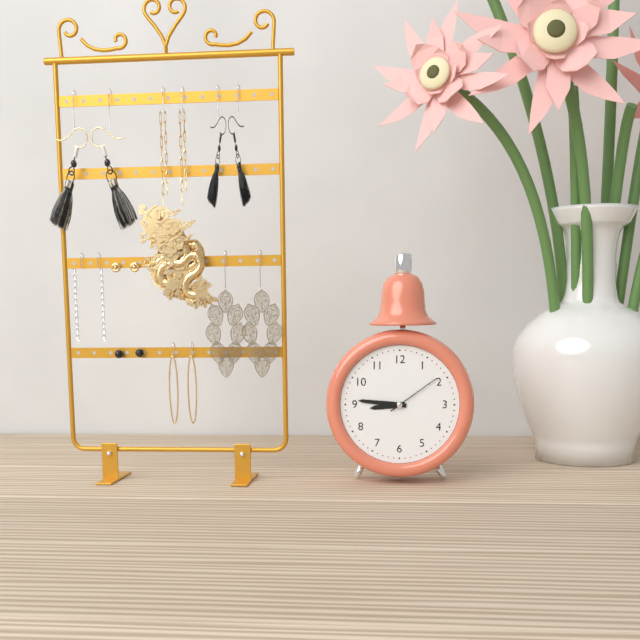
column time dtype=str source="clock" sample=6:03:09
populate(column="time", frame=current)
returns 8:46:09
